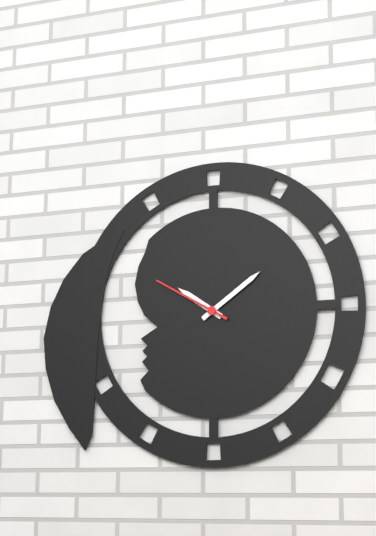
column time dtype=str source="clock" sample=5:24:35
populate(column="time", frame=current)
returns 10:09:50
